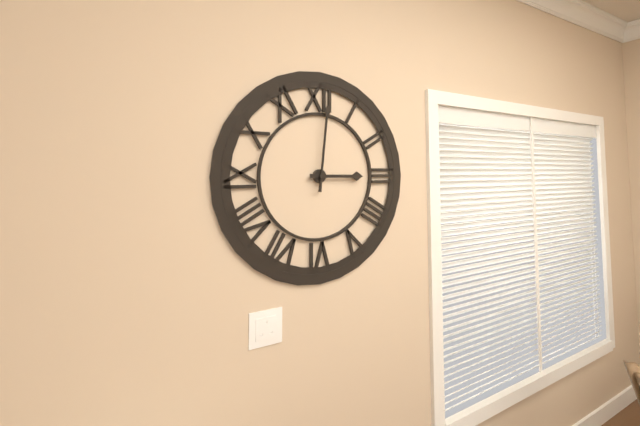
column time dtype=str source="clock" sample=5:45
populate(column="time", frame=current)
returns 3:01
